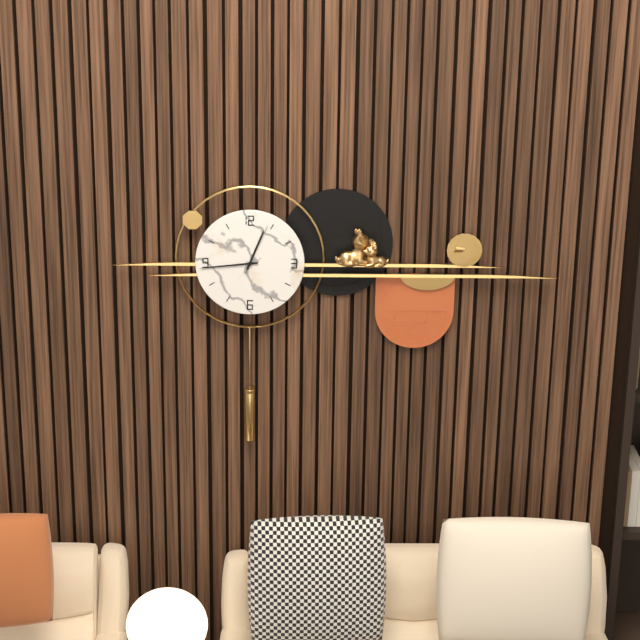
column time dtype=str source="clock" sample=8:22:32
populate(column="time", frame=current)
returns 12:44:04
